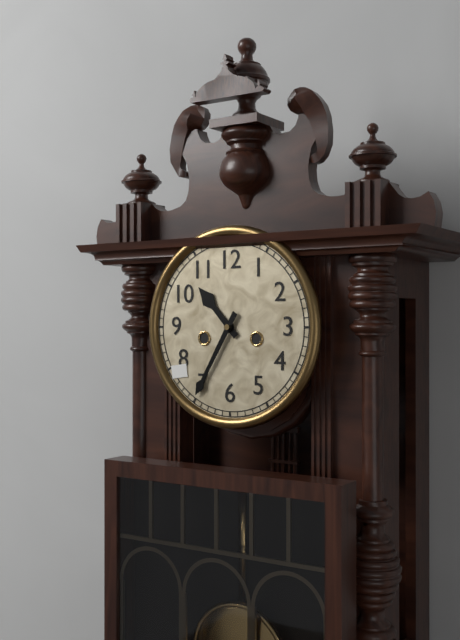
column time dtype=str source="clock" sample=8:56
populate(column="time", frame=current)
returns 10:35
